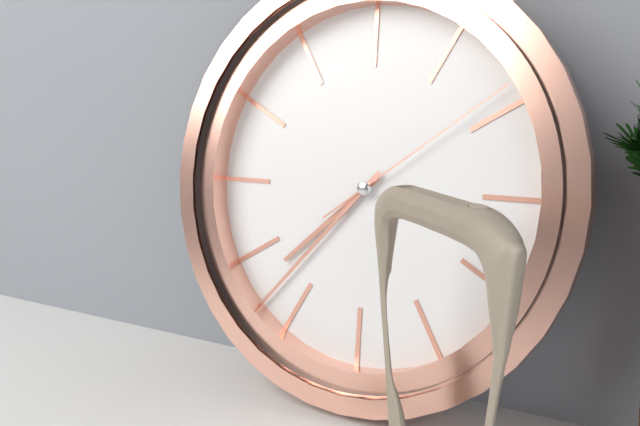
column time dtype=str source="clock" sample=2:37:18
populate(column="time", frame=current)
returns 7:37:09
